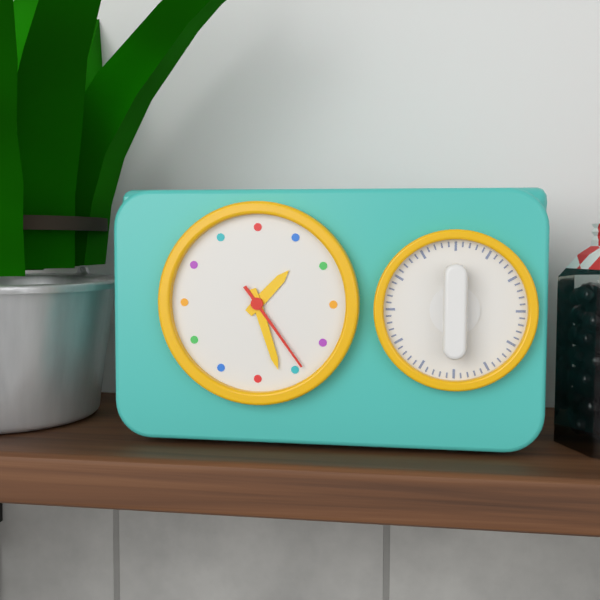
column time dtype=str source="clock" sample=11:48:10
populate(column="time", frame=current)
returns 1:27:24
